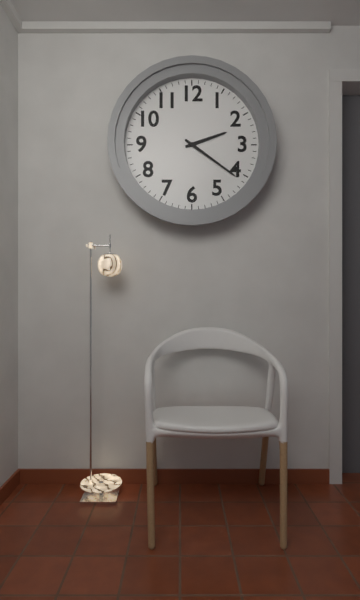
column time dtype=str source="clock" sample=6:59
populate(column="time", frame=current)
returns 2:21
